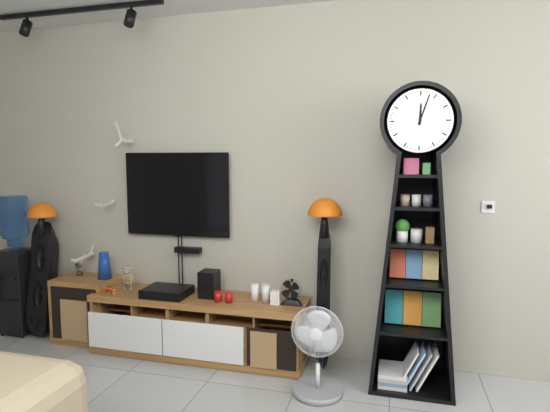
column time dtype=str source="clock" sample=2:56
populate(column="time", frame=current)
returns 12:03
